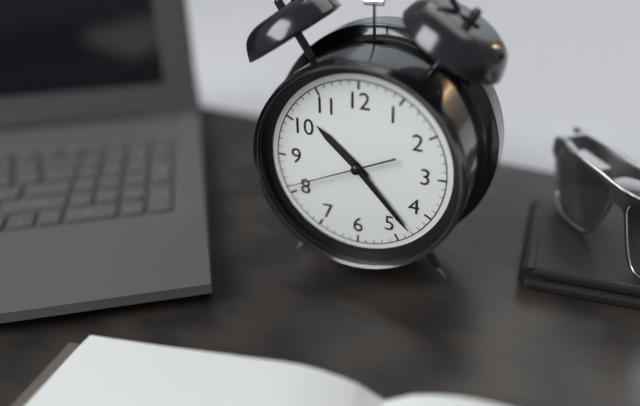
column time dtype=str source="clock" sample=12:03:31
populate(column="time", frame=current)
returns 10:23:41
